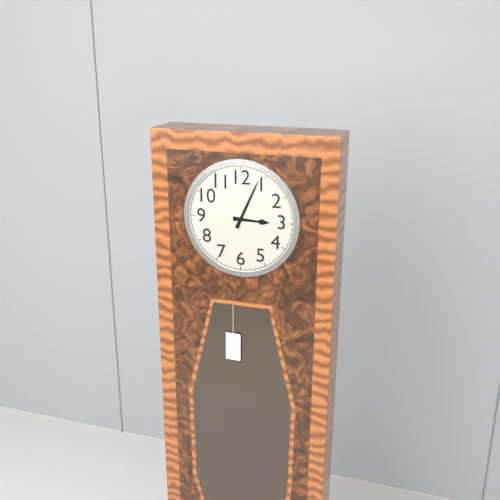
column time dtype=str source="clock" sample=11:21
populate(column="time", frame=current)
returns 3:04
